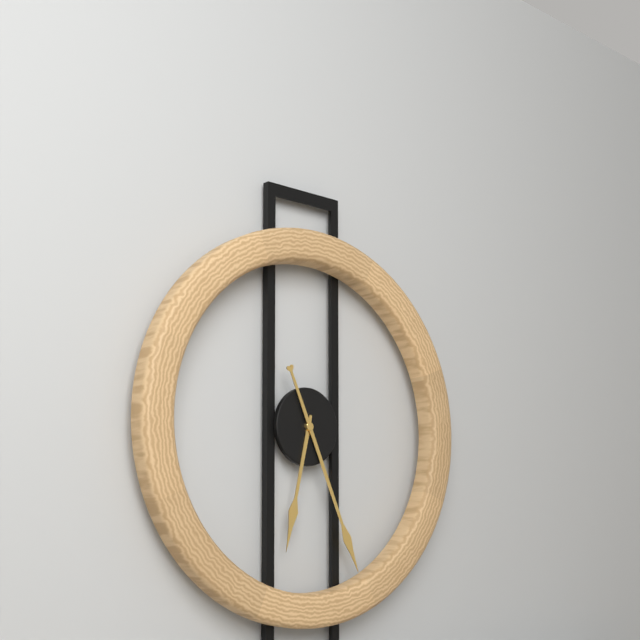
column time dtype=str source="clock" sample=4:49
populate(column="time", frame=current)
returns 6:26
